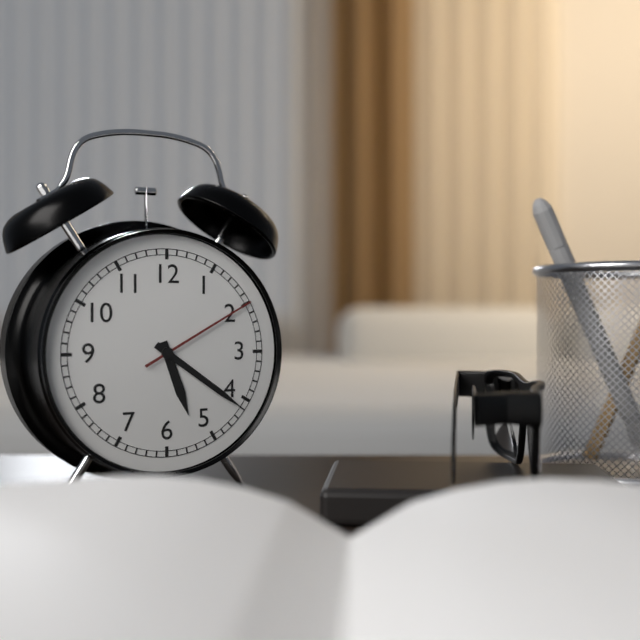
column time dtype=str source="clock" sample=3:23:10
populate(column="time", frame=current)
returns 5:21:10
